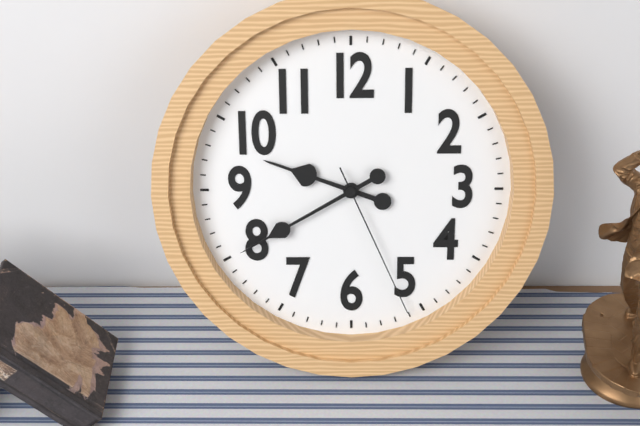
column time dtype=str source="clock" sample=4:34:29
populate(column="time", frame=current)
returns 9:40:26
